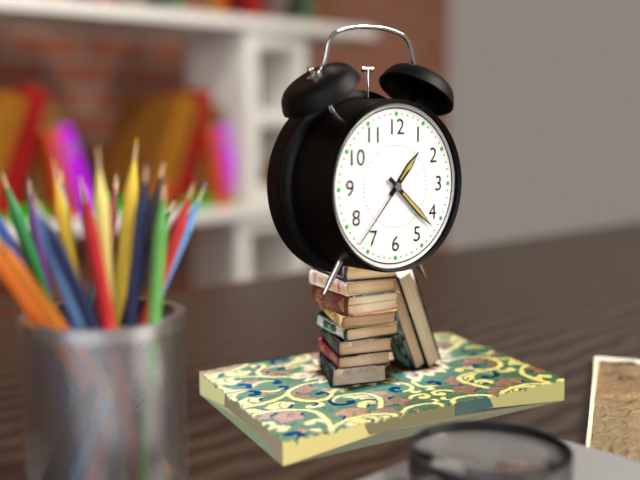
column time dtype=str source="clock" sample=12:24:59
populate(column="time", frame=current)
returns 1:22:37
